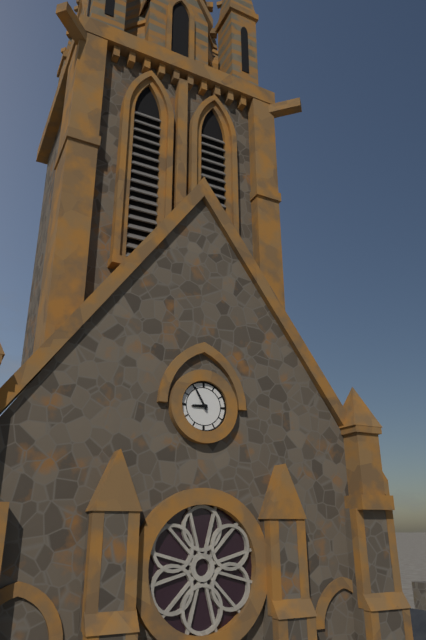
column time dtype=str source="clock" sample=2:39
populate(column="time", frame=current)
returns 8:55
